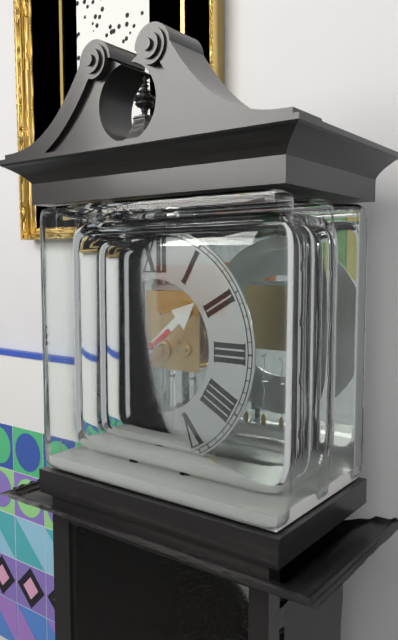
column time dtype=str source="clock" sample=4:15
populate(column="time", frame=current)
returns 1:39
